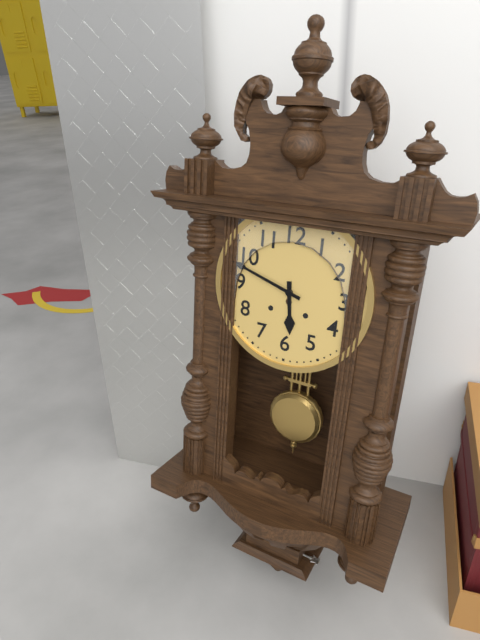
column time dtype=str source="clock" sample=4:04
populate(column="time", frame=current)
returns 5:48
